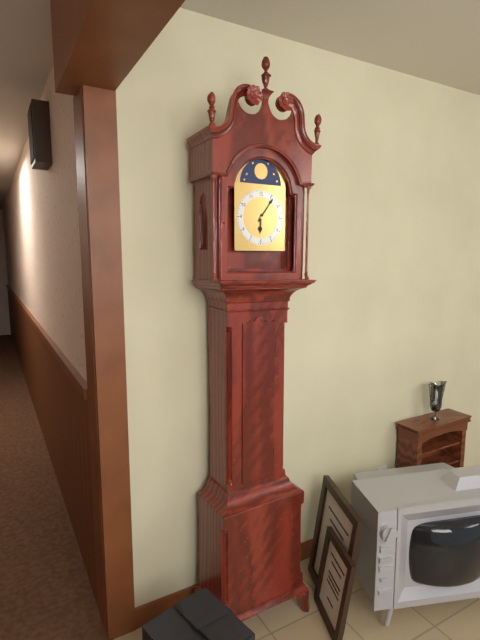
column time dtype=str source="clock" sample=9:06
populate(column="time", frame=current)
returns 6:06
